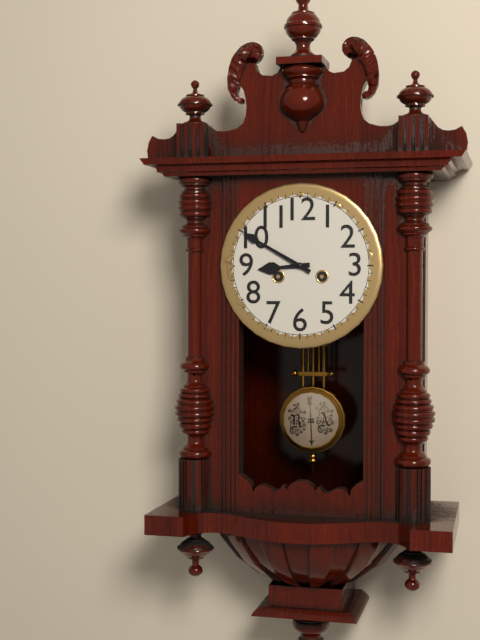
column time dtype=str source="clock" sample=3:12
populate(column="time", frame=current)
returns 8:50
